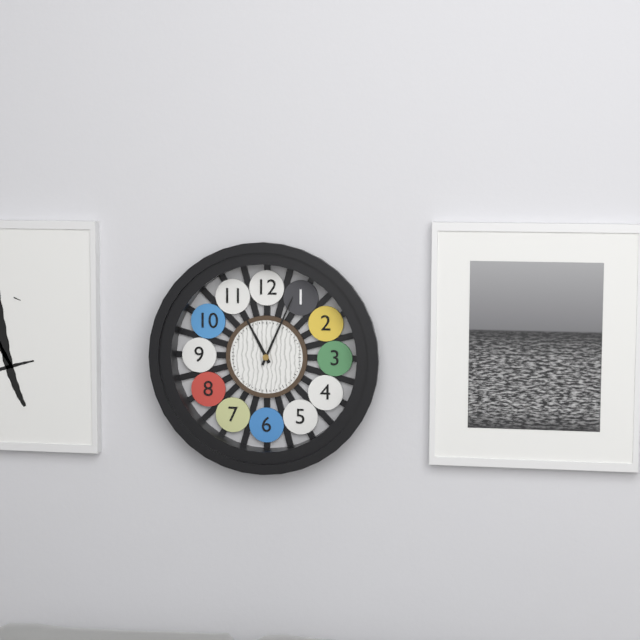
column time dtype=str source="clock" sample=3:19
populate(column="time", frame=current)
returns 11:04
